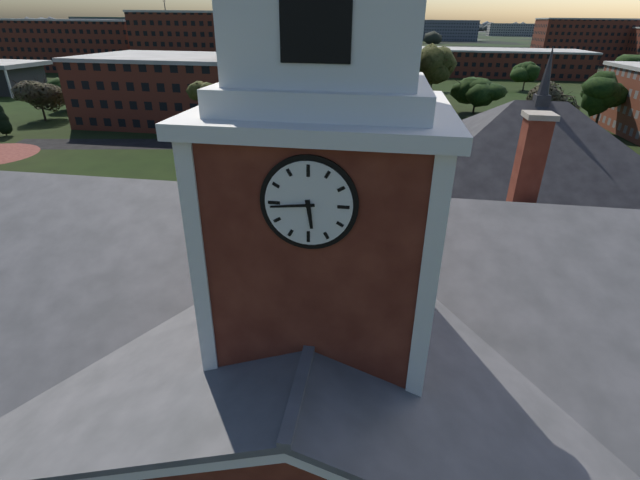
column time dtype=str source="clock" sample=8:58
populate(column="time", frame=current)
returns 5:44
